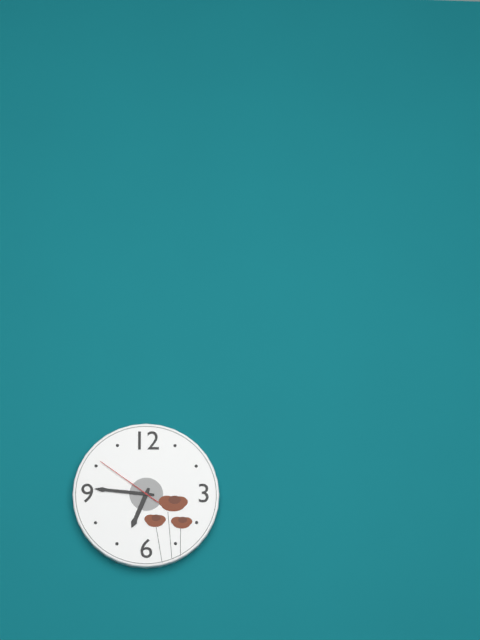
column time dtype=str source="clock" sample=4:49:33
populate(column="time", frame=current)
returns 6:46:51
